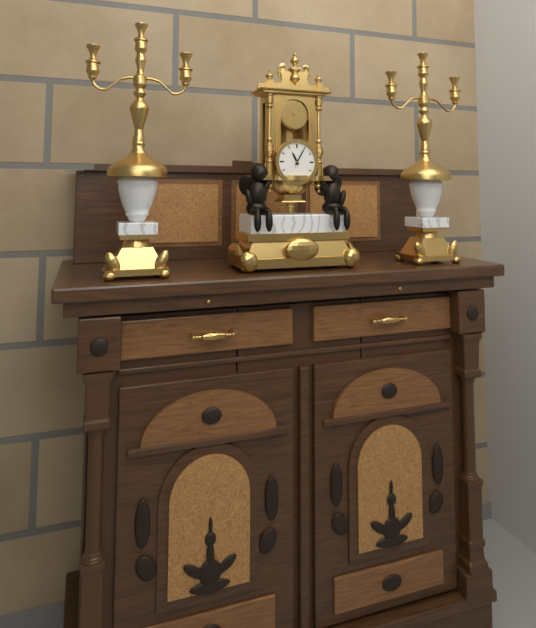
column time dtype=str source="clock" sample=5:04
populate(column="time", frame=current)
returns 11:05
